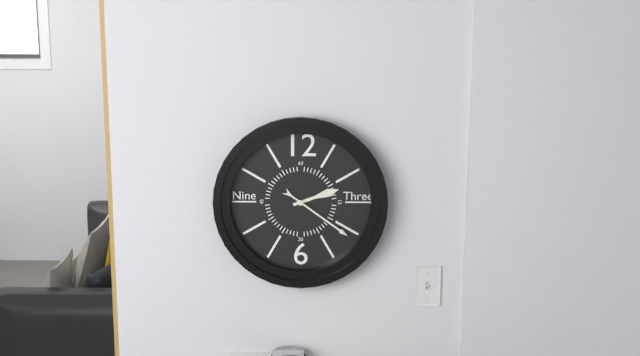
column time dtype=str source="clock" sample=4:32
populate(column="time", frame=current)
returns 2:21
